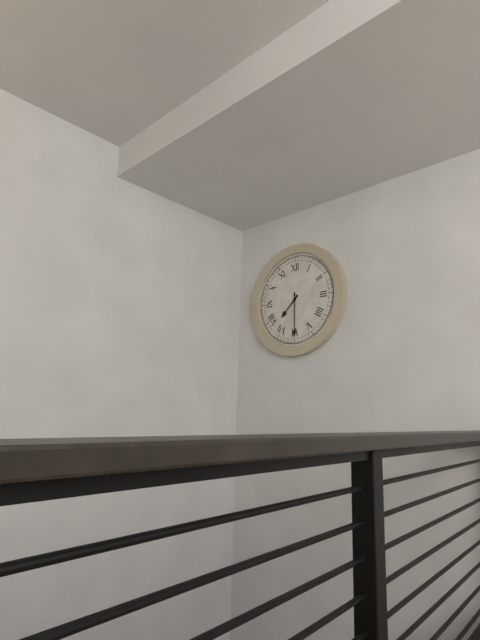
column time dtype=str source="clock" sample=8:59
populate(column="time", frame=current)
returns 7:30
